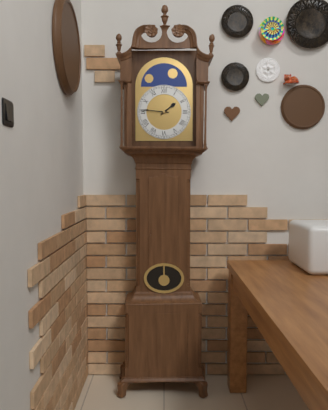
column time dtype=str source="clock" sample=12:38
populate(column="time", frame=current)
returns 1:46
